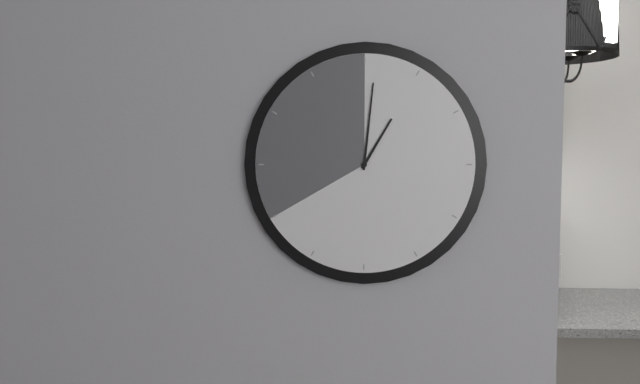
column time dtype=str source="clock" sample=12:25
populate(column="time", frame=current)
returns 1:01
